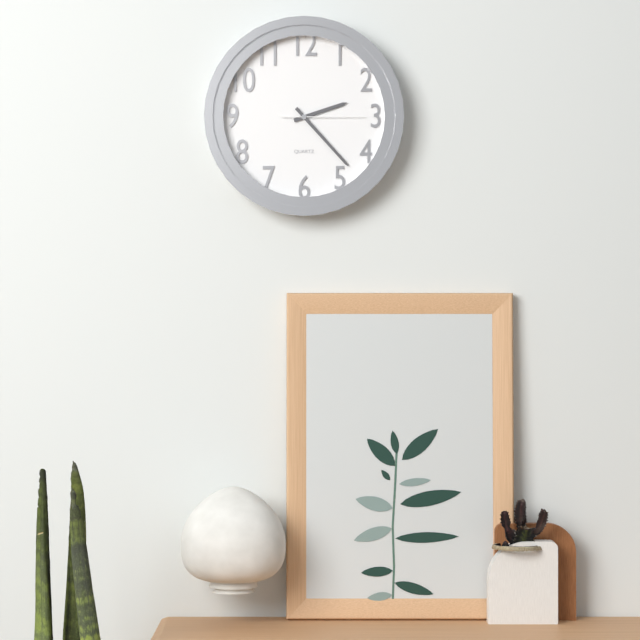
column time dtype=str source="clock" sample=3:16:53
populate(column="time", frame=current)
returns 2:23:15
